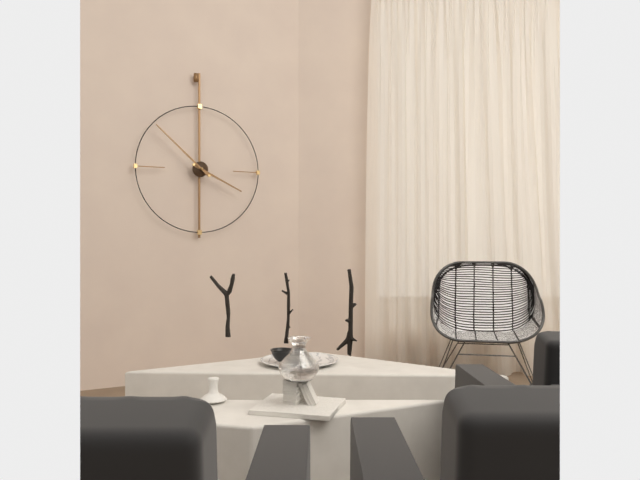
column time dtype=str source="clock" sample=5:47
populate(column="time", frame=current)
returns 3:52
